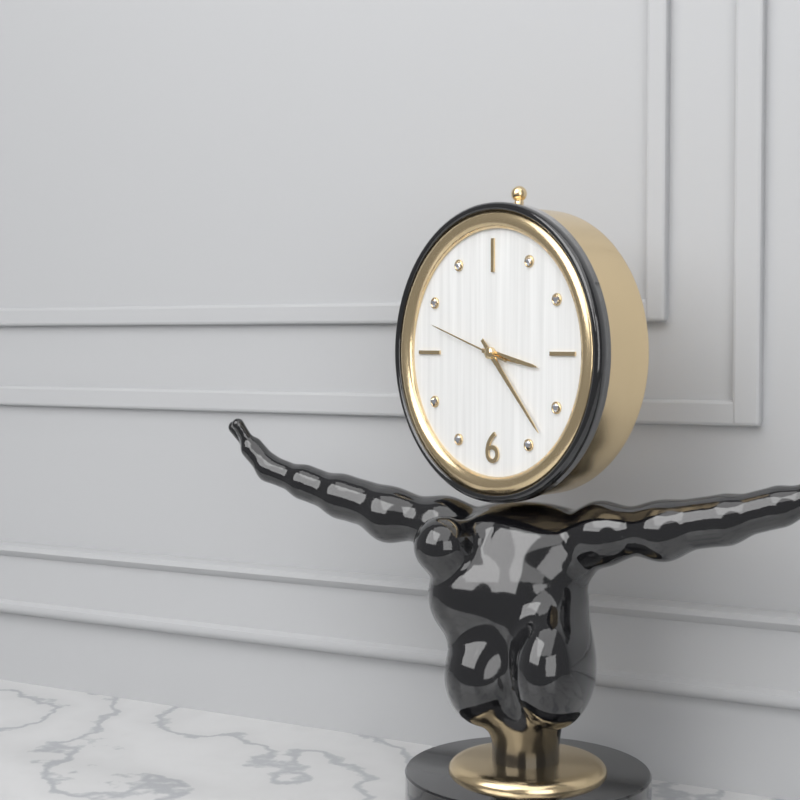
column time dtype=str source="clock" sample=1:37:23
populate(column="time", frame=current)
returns 3:23:48
